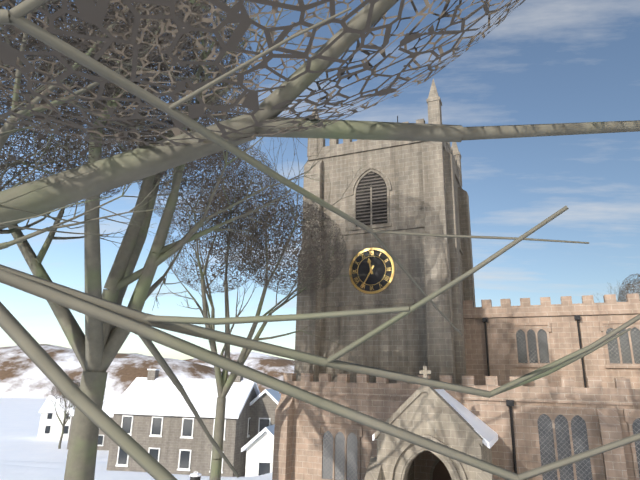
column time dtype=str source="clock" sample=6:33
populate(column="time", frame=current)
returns 11:35
